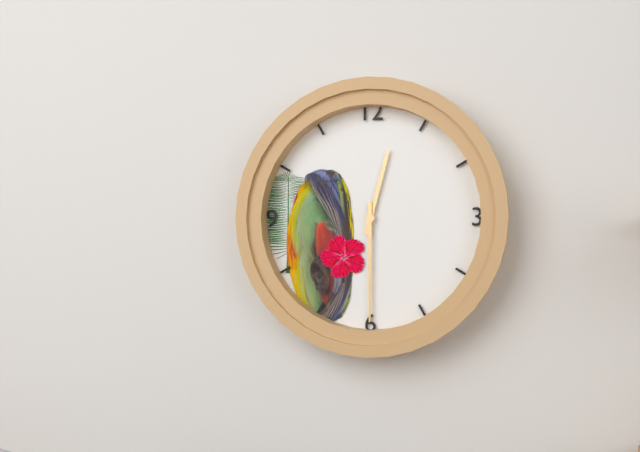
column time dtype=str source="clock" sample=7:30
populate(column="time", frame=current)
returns 12:30
